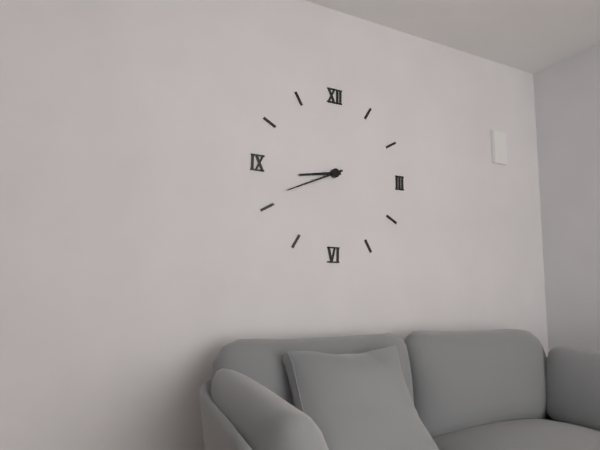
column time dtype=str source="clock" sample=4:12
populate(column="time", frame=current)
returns 8:41
